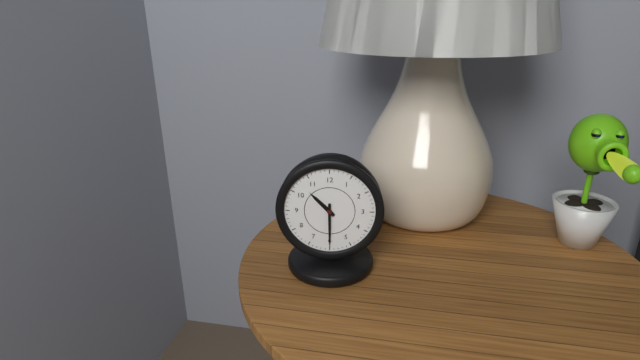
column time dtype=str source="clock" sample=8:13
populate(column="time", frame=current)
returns 10:30
